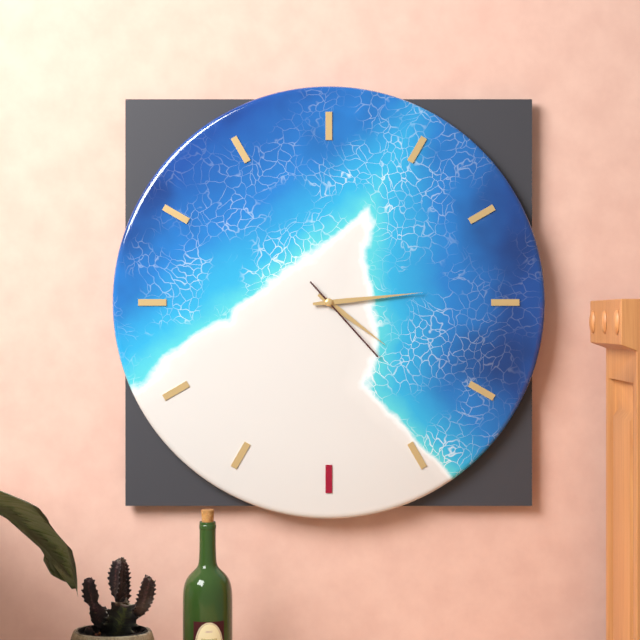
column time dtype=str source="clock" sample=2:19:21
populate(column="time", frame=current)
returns 4:14:23
